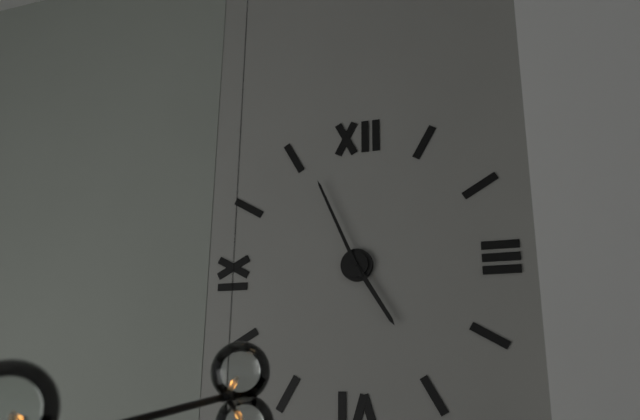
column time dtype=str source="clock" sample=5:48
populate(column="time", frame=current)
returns 4:56
